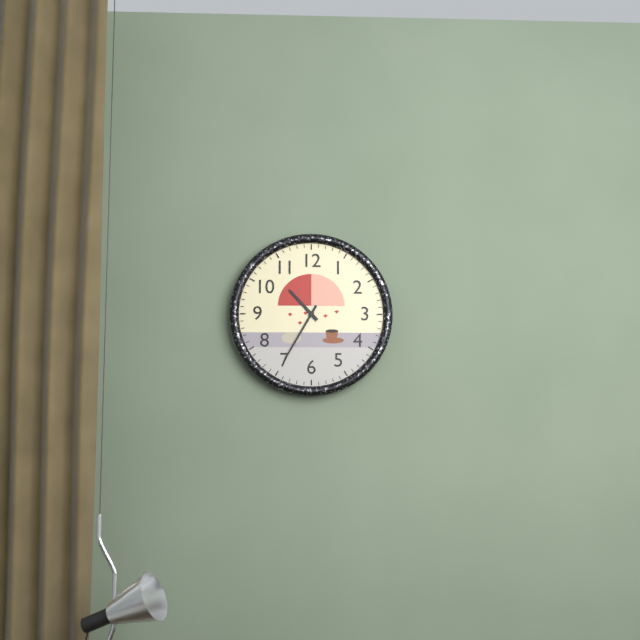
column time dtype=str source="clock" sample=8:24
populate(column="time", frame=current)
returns 10:35
